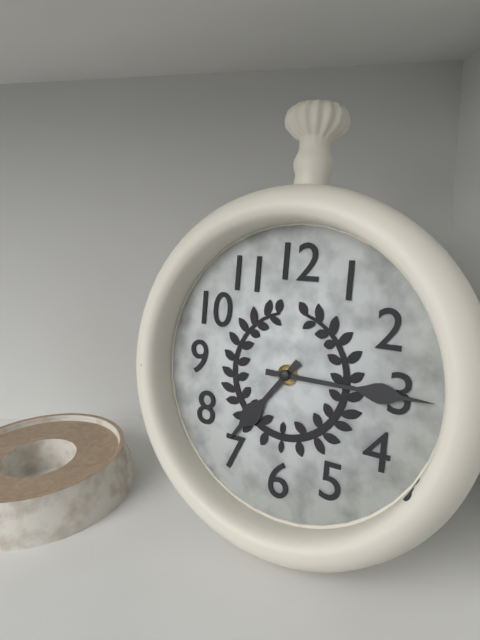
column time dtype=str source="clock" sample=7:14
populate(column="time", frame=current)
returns 7:15
